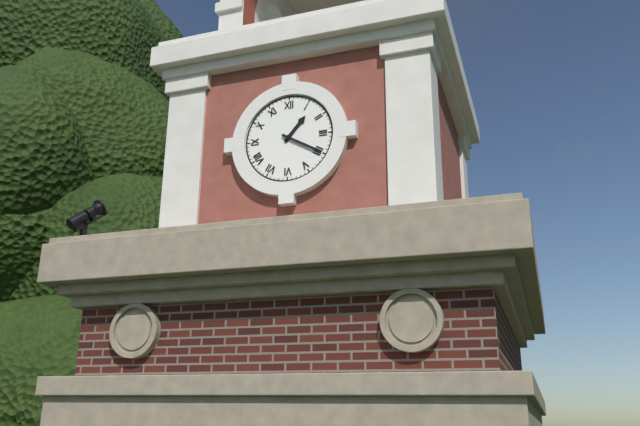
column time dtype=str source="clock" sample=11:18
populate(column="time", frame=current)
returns 1:20
